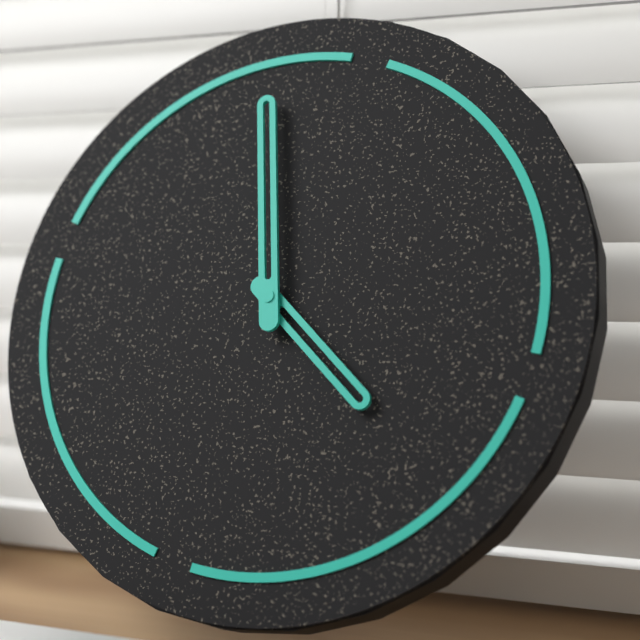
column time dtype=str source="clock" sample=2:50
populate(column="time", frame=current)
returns 3:56
